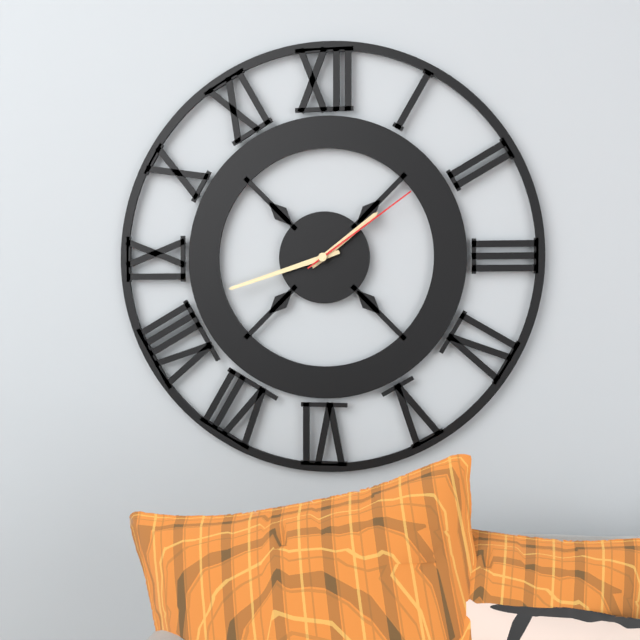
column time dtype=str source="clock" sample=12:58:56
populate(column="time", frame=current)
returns 1:42:09
